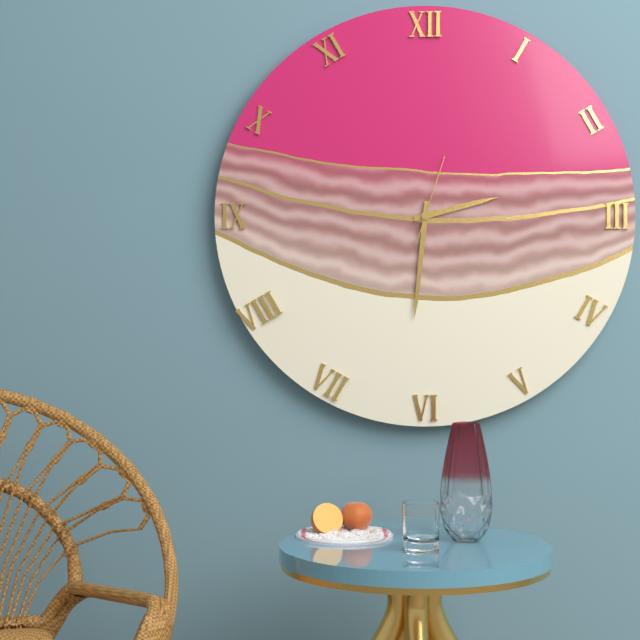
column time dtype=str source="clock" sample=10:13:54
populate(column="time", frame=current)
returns 2:31:03
